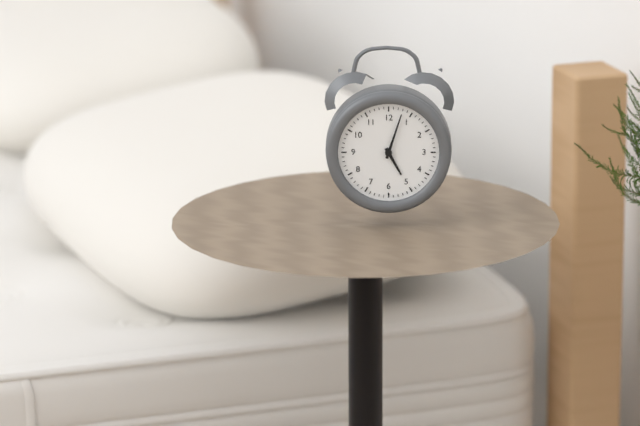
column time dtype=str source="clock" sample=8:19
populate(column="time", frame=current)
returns 5:03
